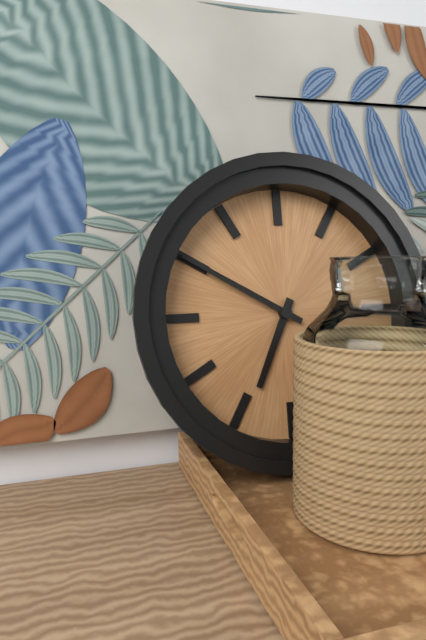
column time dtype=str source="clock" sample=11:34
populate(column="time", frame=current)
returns 6:50
